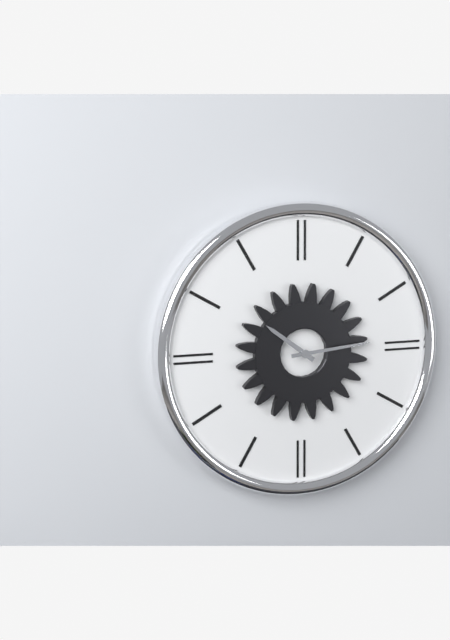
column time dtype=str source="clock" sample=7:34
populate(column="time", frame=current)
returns 10:14
